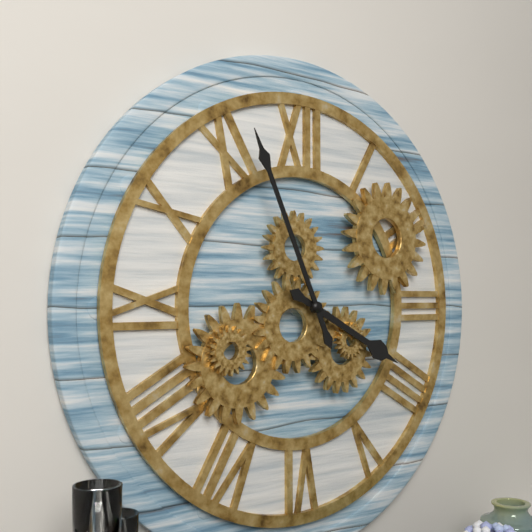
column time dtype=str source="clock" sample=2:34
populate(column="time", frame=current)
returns 3:56
